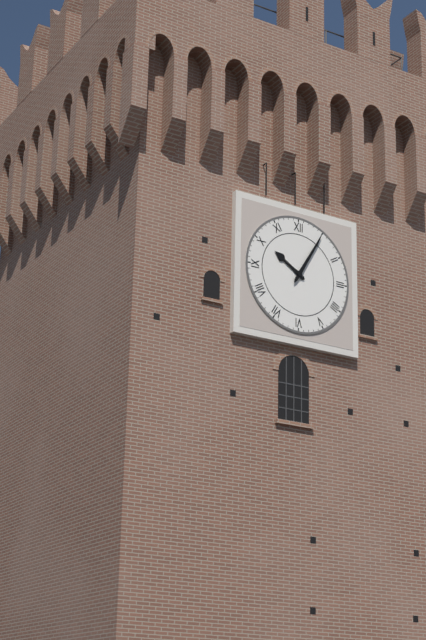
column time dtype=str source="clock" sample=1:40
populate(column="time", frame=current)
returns 10:05
